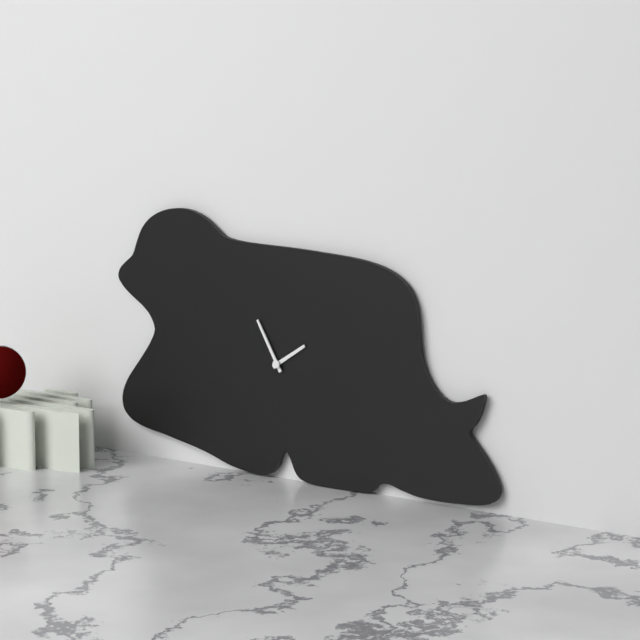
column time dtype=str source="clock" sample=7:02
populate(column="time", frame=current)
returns 1:55
